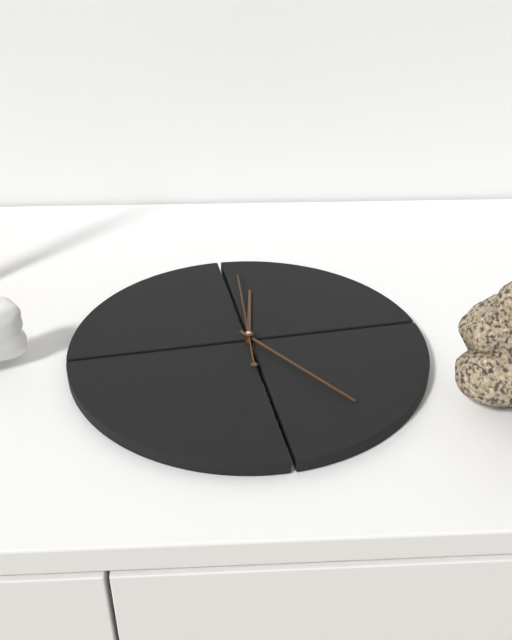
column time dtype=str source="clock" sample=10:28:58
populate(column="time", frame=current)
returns 12:25:01
